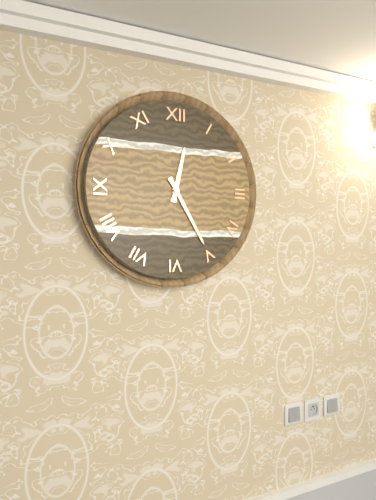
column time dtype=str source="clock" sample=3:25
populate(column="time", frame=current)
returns 12:25
